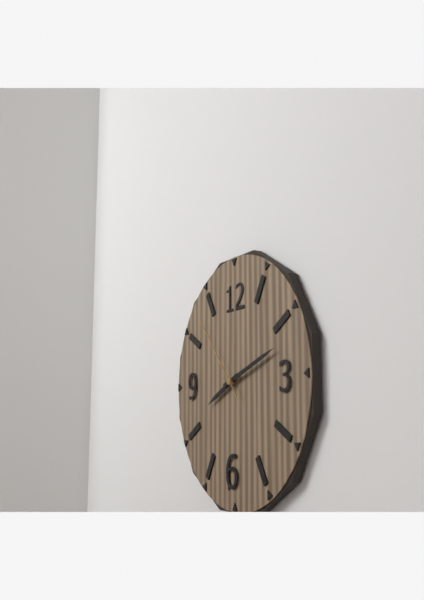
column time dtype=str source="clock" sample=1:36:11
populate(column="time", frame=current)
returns 8:12:53
